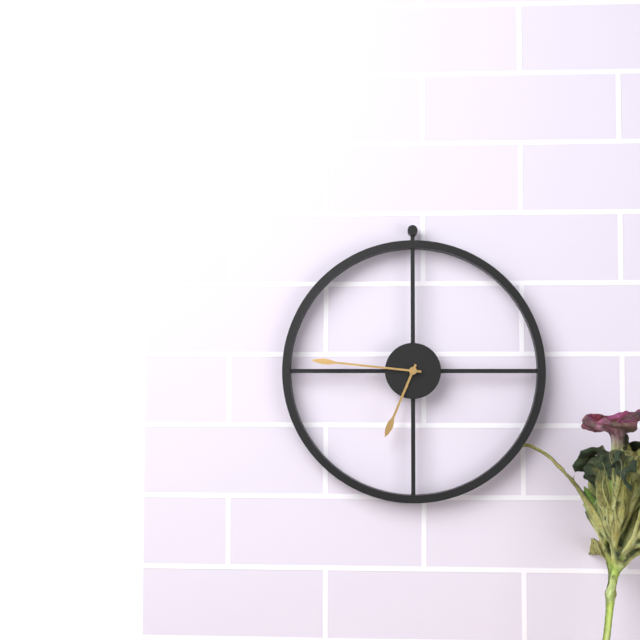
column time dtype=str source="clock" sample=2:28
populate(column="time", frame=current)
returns 6:46
